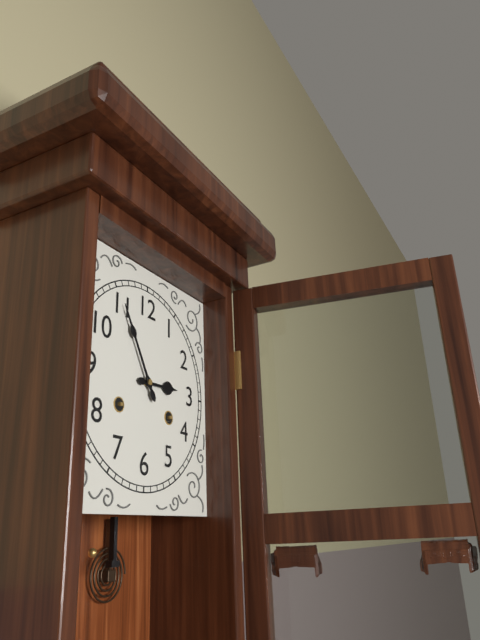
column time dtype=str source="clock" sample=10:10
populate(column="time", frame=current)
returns 2:55
